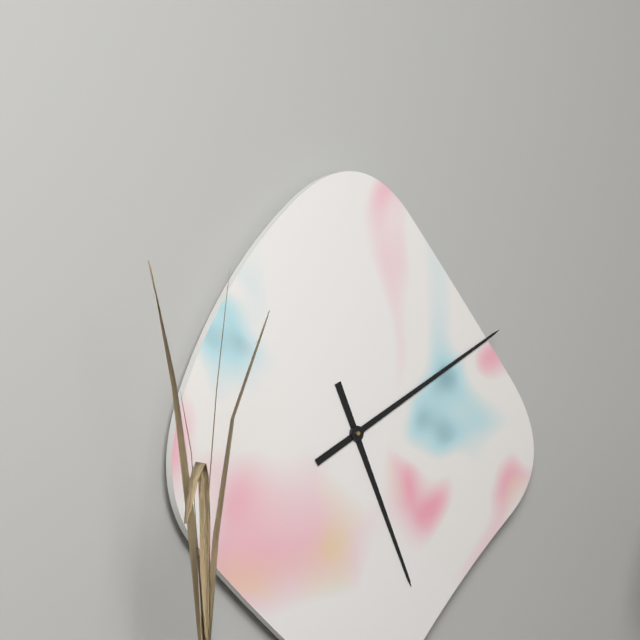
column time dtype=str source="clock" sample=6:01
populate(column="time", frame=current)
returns 5:10
